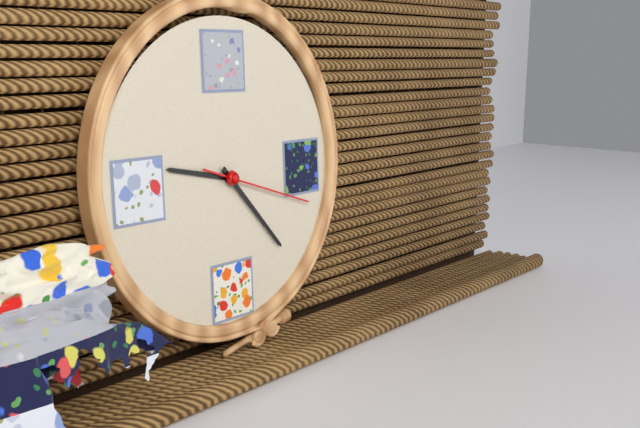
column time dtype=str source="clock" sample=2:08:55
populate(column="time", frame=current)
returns 9:23:18
